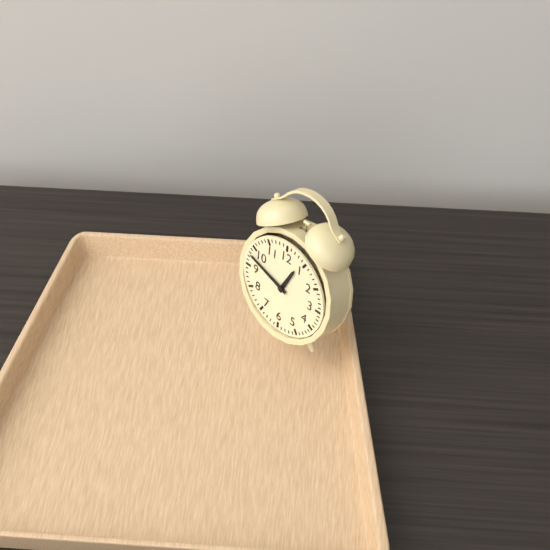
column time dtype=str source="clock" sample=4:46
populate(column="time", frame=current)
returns 12:48
